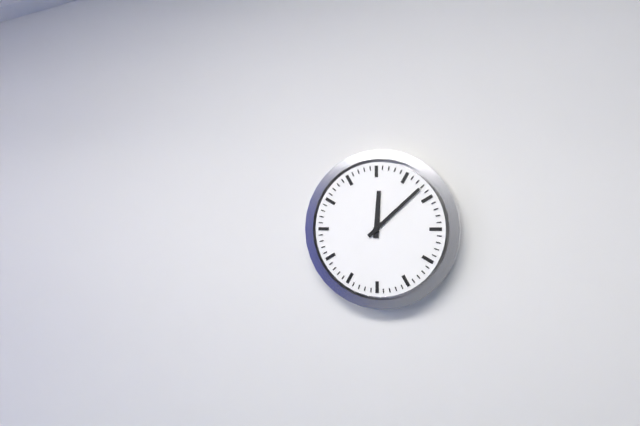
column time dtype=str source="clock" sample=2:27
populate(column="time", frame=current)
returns 12:08
